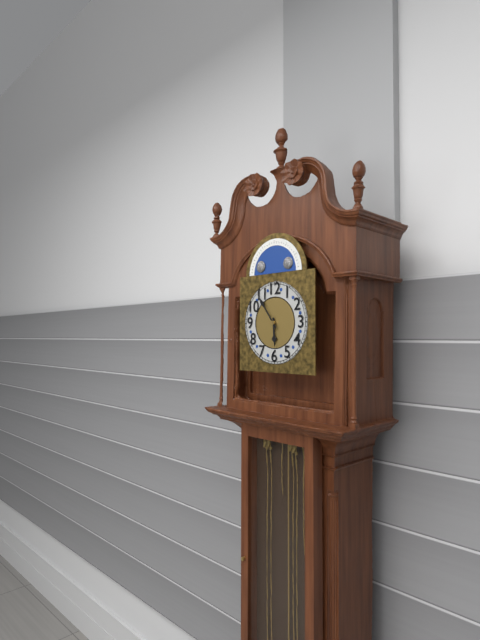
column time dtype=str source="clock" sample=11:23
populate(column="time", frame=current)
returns 5:54
